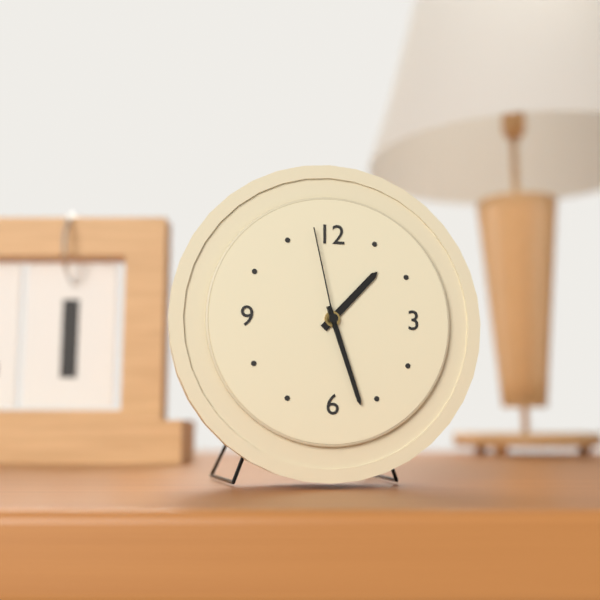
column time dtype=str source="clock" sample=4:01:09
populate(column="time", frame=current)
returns 1:27:58
